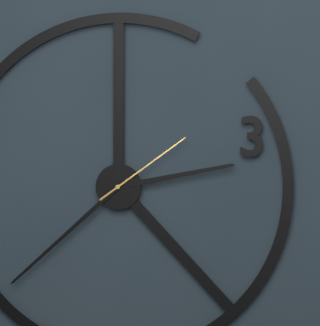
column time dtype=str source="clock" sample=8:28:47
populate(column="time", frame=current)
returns 2:38:09
